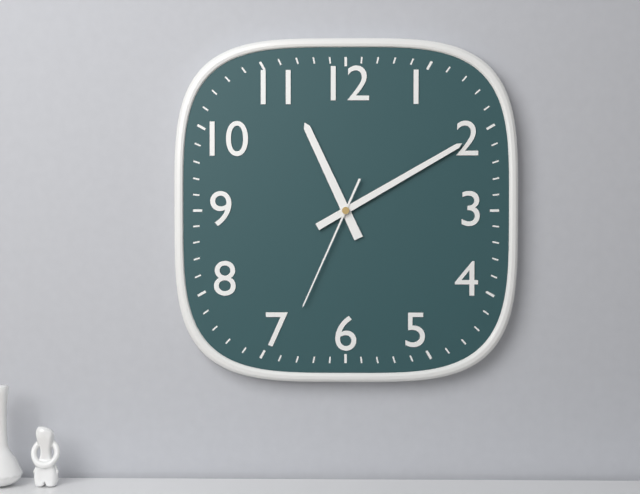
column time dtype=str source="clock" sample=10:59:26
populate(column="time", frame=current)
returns 11:10:34
